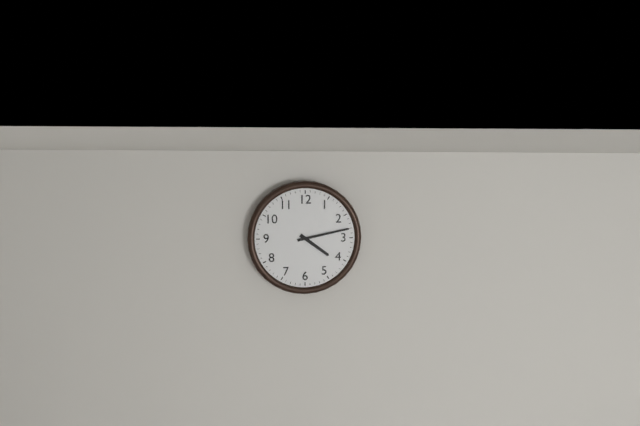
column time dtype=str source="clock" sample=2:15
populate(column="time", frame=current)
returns 4:13
